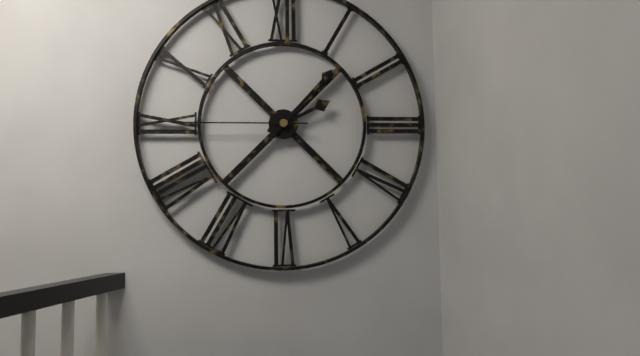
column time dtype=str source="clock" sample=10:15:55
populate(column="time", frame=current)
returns 2:07:45
